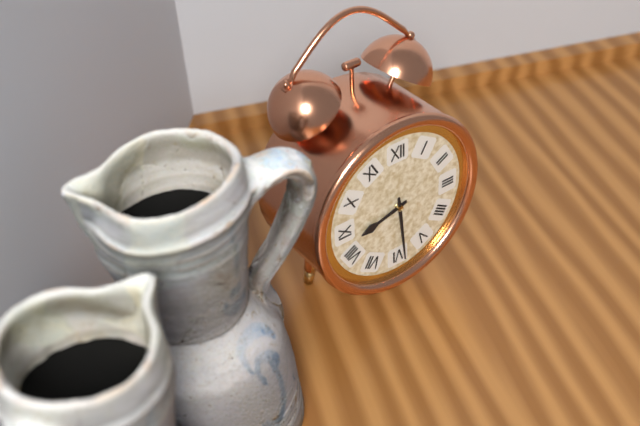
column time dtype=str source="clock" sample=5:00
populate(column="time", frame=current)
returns 8:29
